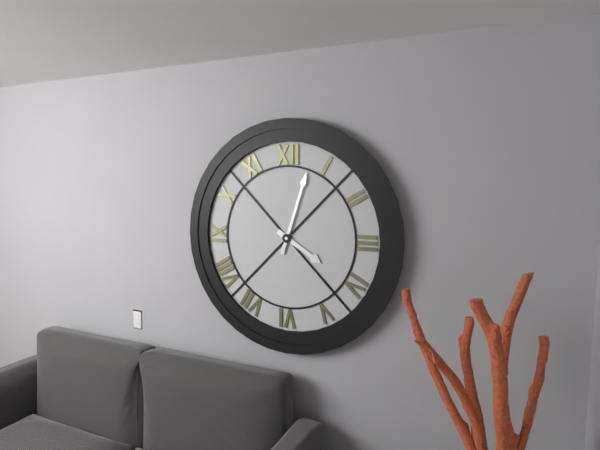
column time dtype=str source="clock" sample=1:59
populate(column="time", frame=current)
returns 4:03
